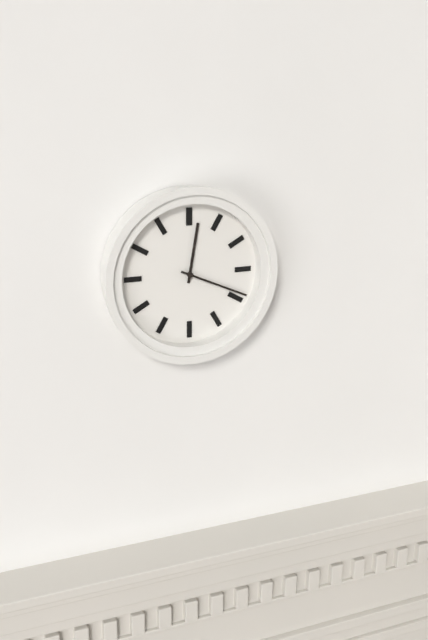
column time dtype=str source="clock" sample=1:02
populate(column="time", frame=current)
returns 12:19
